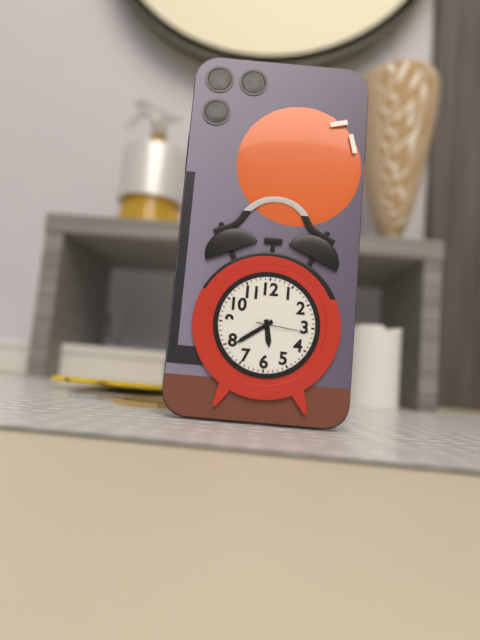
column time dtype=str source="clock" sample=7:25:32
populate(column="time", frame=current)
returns 5:39:16
